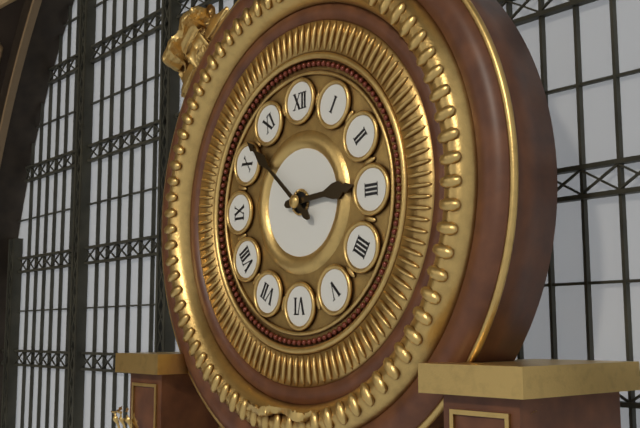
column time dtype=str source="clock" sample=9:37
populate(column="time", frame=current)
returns 2:52
